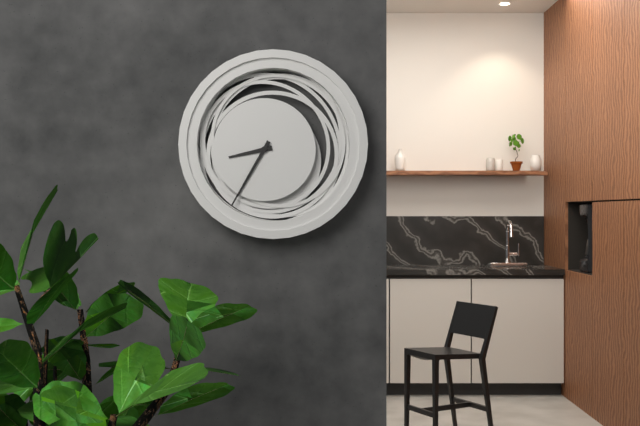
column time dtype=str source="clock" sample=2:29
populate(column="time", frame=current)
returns 8:35
